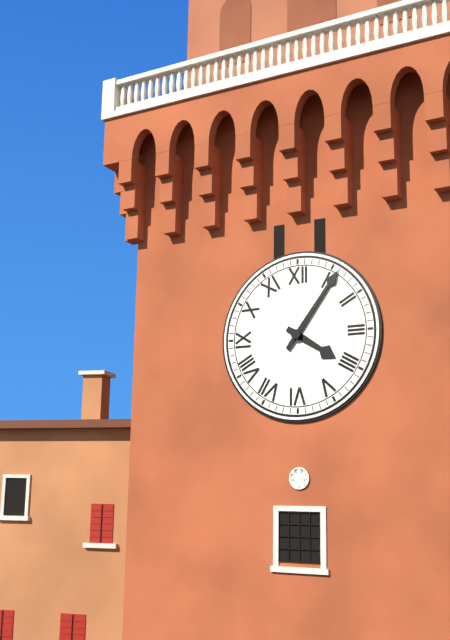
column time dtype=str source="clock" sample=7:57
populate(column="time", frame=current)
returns 4:06
